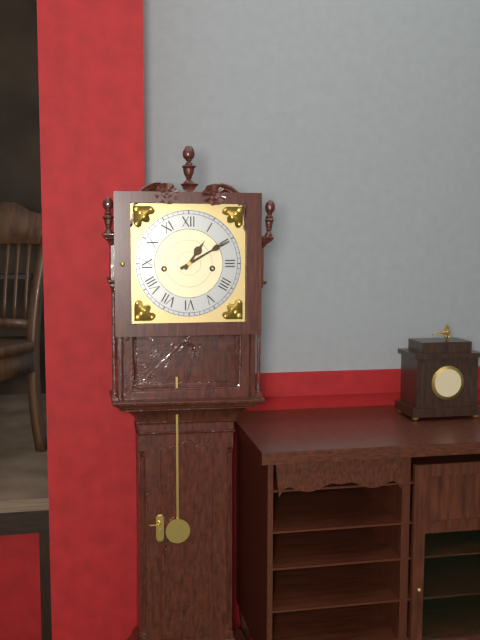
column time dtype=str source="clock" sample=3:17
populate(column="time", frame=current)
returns 1:10
